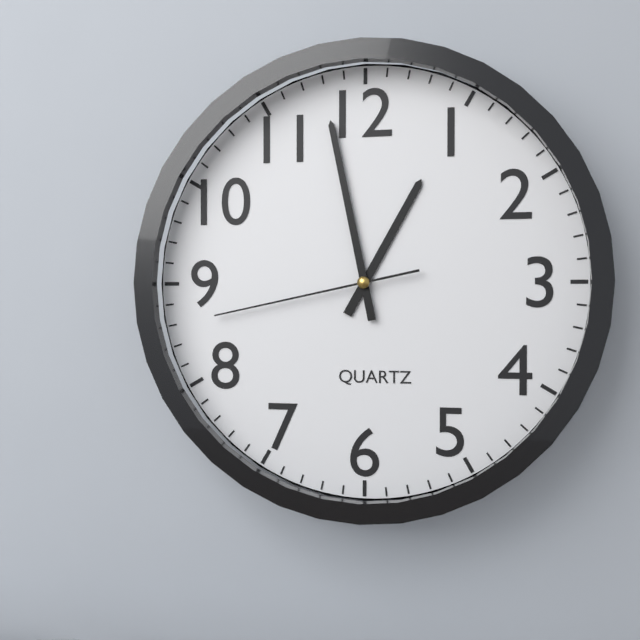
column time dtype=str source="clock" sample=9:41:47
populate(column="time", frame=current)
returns 12:58:43
